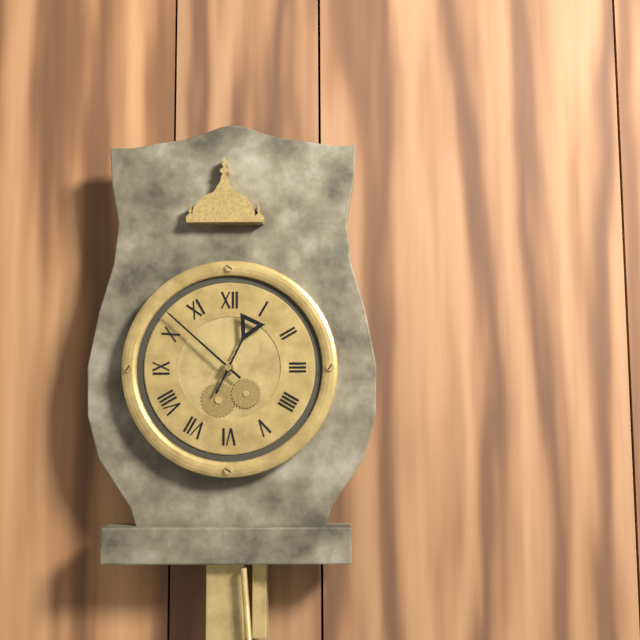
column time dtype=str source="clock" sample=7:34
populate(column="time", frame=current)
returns 12:52
